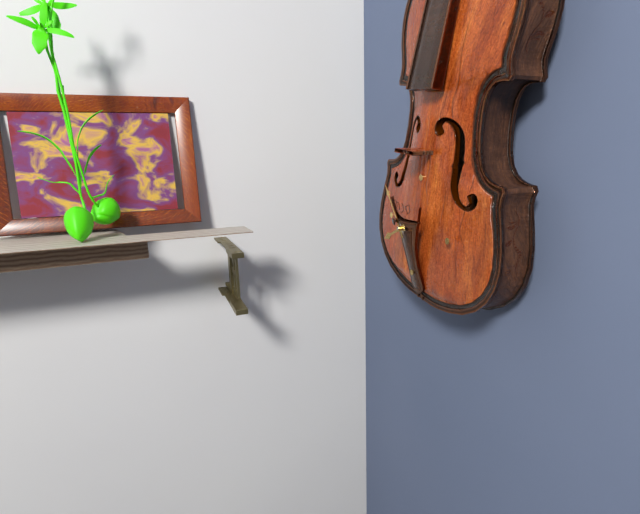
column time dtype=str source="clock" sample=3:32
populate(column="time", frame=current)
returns 7:53
